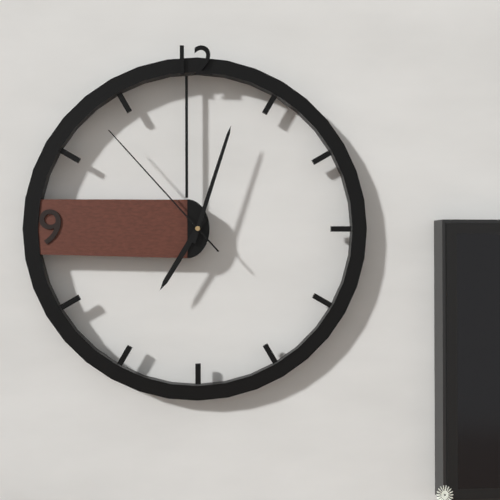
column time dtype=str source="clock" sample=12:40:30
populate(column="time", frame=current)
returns 7:03:53
